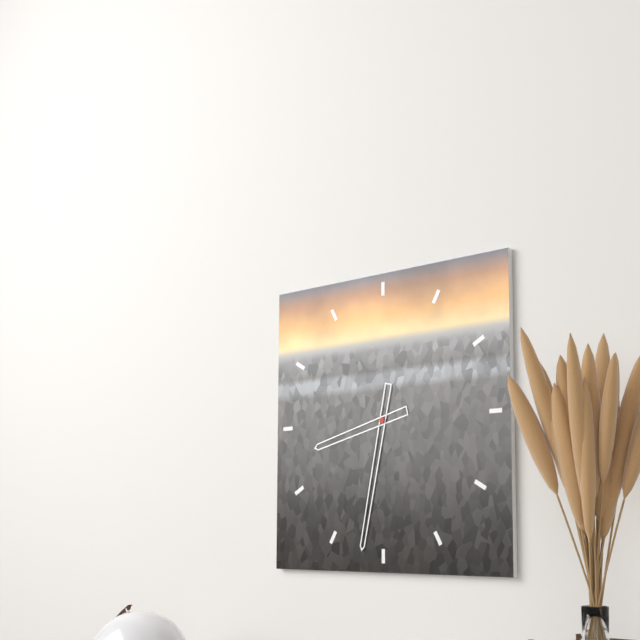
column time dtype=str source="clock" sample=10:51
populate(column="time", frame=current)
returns 8:32
